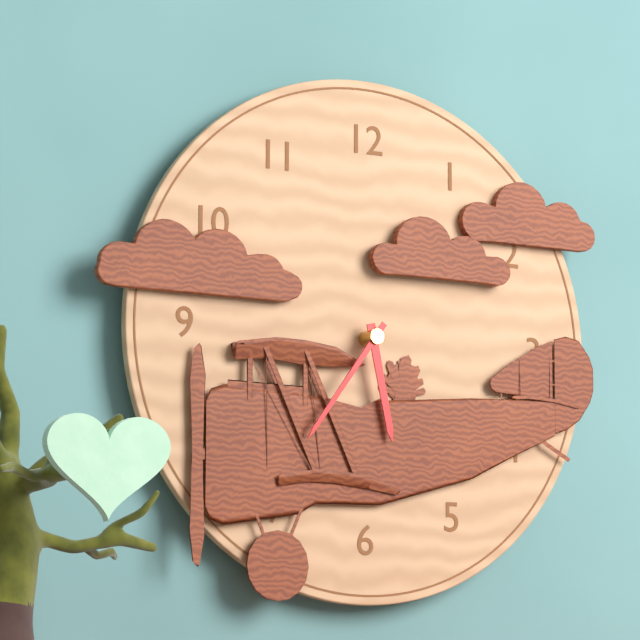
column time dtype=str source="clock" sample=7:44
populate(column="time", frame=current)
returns 5:36
